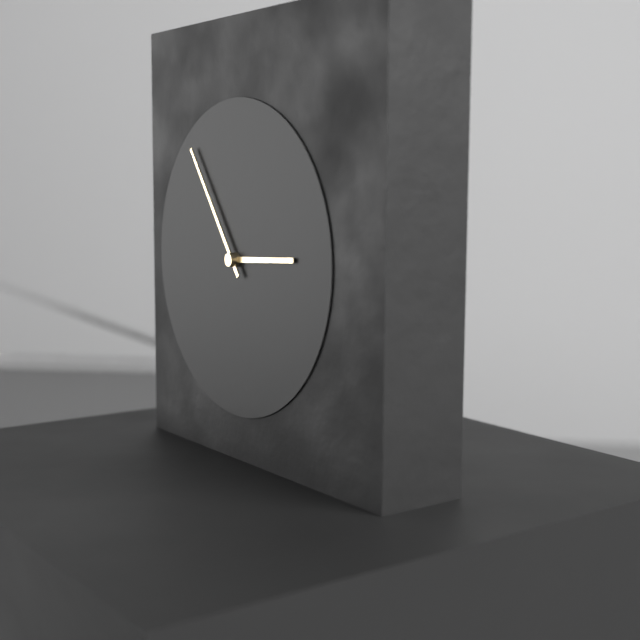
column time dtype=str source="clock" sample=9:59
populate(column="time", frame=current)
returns 2:54
